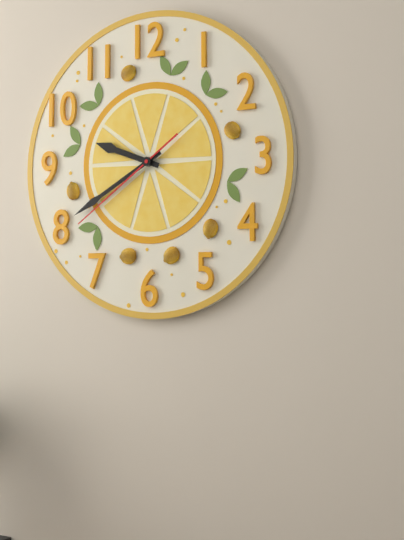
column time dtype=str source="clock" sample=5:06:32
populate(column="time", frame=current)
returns 9:40:39
